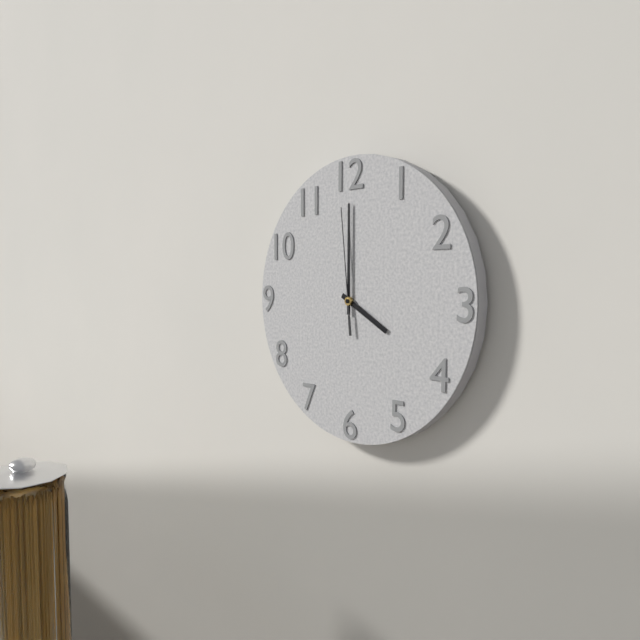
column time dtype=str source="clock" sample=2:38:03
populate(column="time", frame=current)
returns 4:00:59
